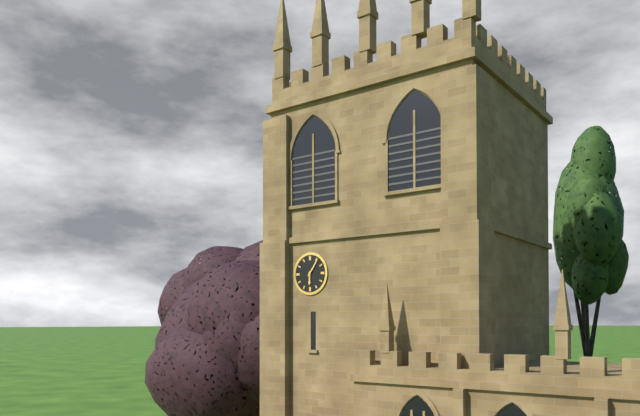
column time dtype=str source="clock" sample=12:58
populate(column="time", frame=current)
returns 6:06
